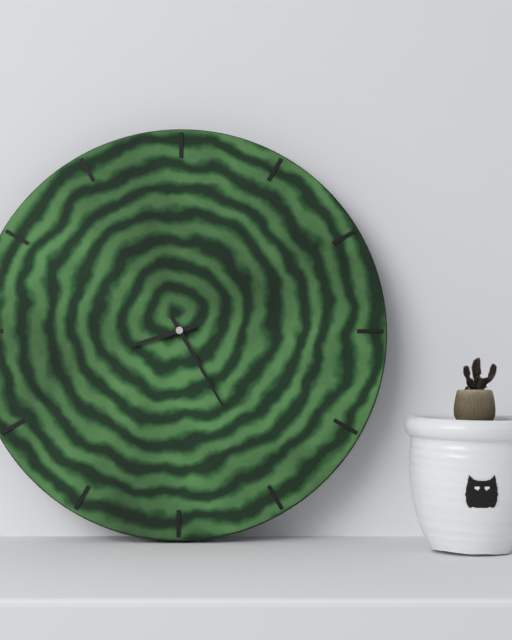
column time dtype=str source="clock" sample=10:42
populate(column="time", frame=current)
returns 8:25
